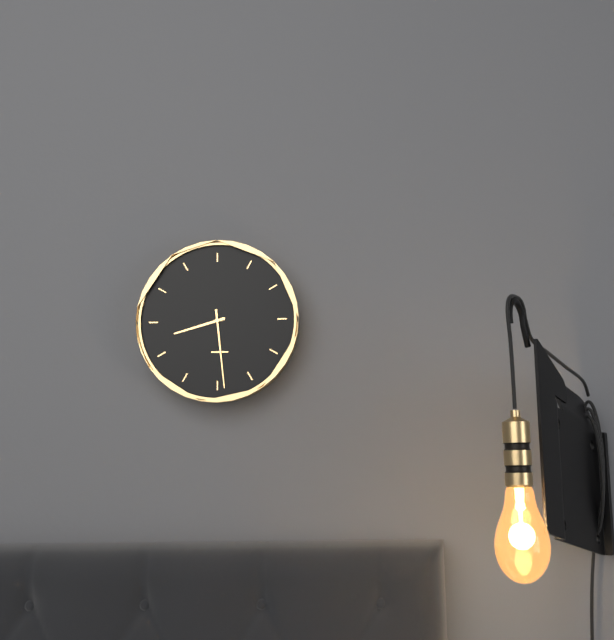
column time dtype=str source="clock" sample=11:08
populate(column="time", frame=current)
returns 8:29
